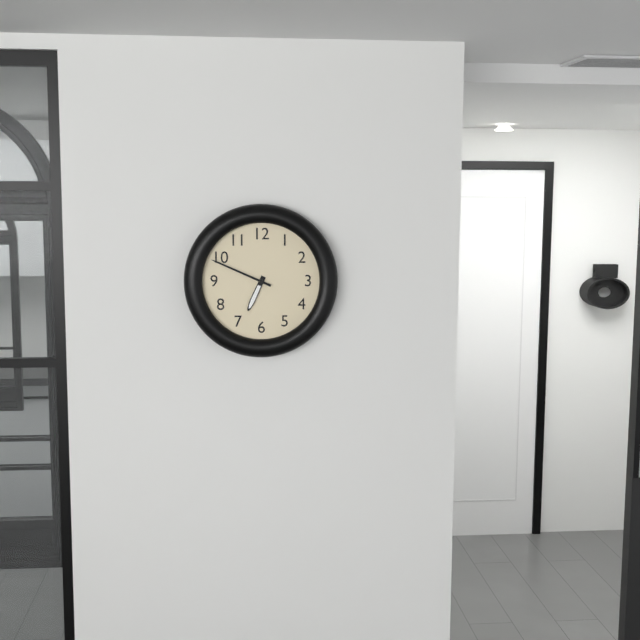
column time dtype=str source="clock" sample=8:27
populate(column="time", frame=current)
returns 6:49
